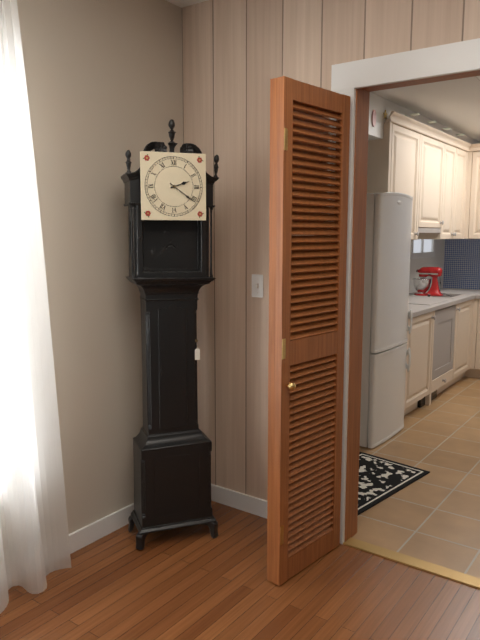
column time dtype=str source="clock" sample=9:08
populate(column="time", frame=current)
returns 2:21
